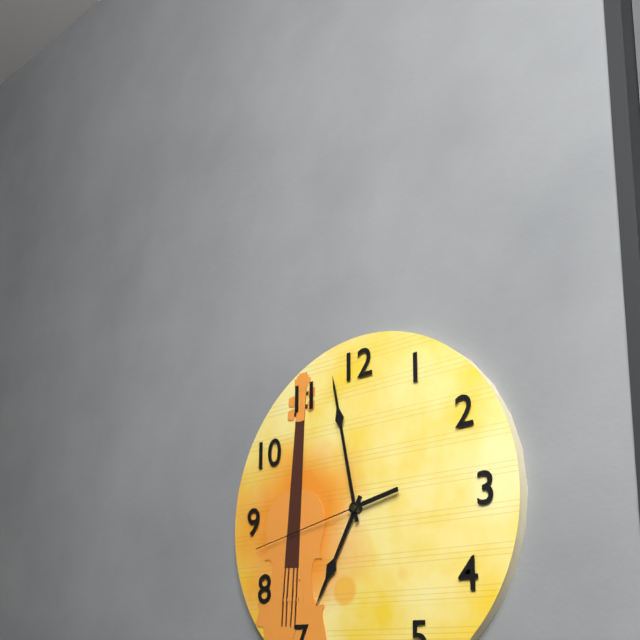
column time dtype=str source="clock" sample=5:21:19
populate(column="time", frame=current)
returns 6:58:43
